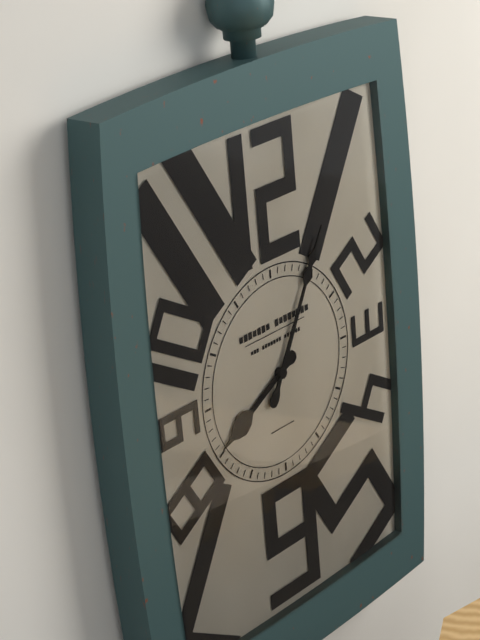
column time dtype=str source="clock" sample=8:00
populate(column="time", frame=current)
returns 8:05
